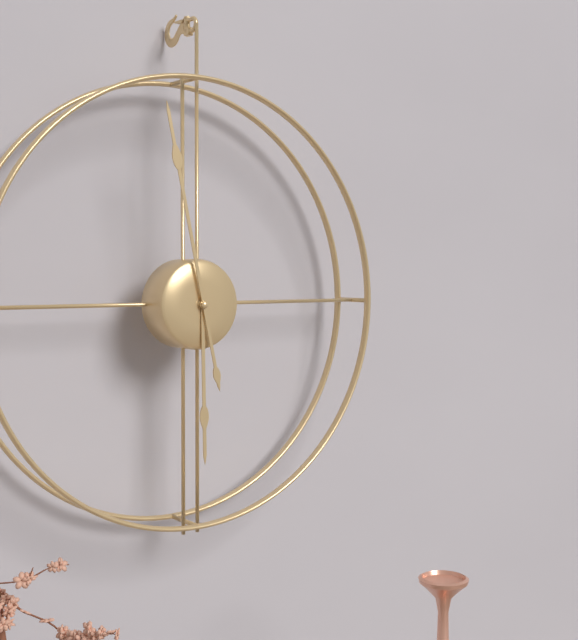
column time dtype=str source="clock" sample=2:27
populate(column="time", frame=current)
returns 5:58
